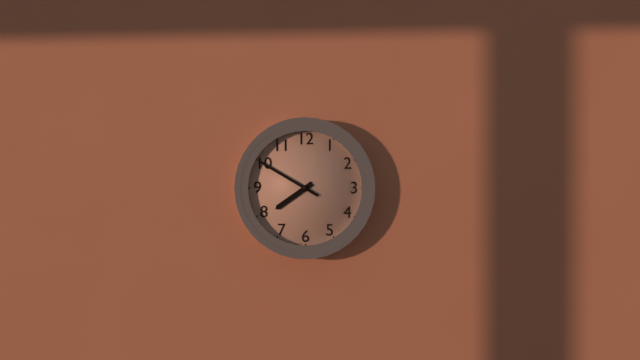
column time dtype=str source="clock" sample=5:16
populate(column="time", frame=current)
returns 7:50
